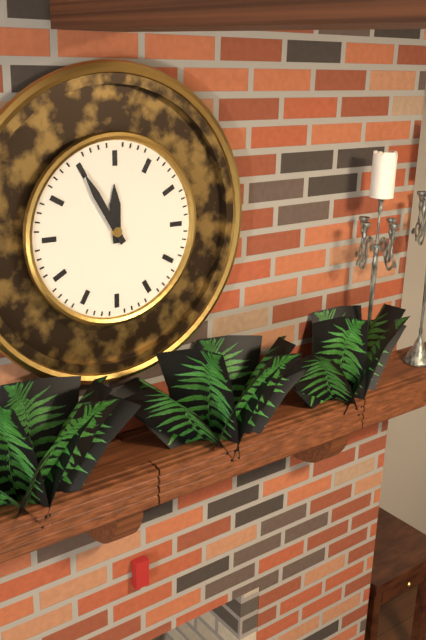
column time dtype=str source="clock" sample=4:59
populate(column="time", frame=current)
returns 11:55
